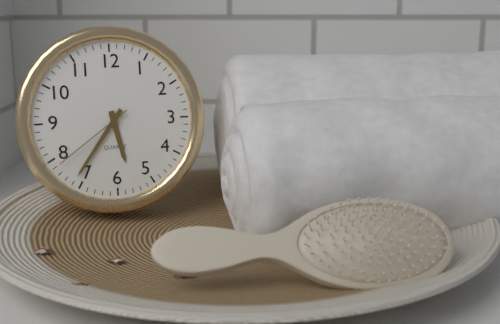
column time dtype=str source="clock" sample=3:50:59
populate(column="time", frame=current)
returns 5:36:39
